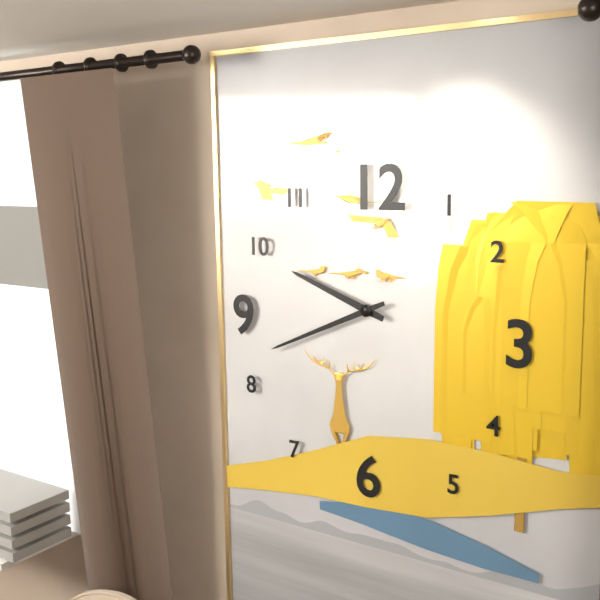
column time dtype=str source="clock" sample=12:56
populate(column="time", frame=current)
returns 9:41
